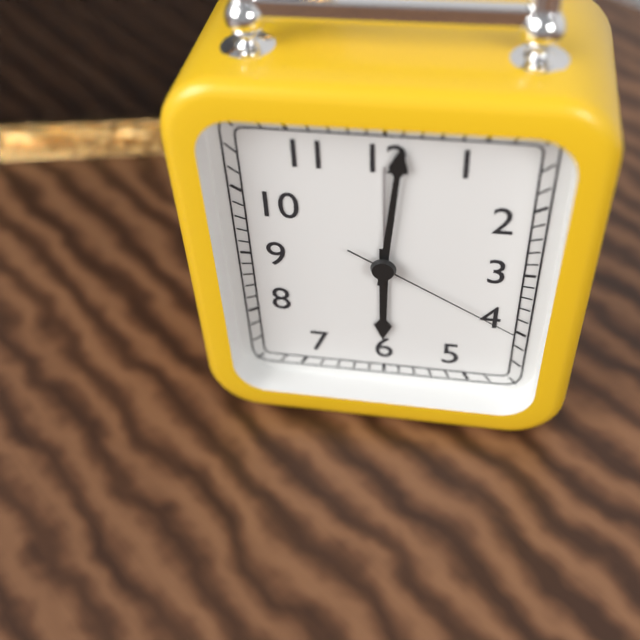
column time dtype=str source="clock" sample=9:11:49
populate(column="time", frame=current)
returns 6:01:20
